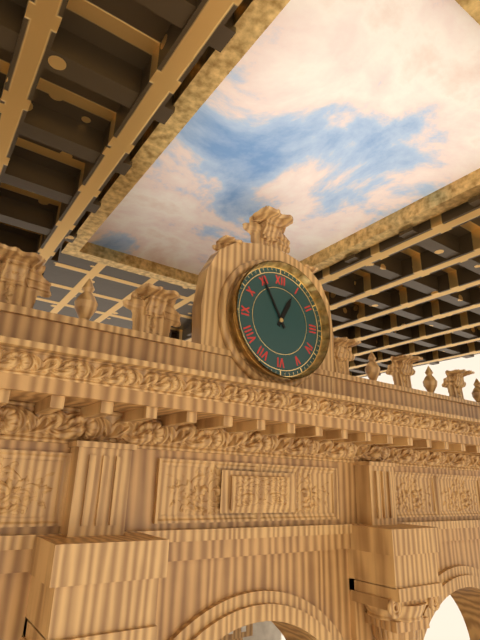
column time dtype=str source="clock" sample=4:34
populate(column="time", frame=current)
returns 12:55
